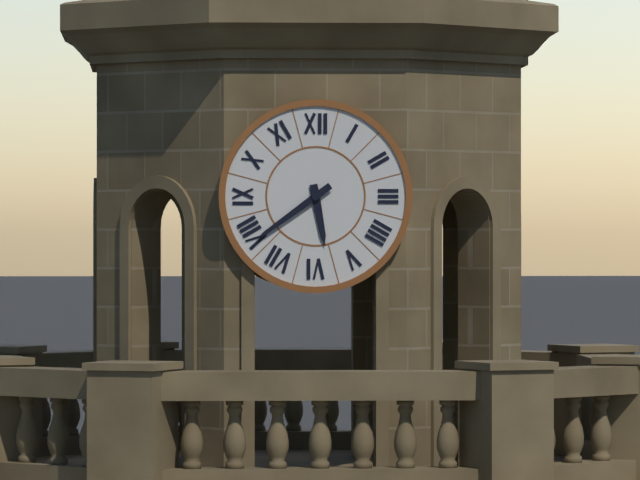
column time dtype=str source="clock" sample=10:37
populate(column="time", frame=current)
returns 5:39
